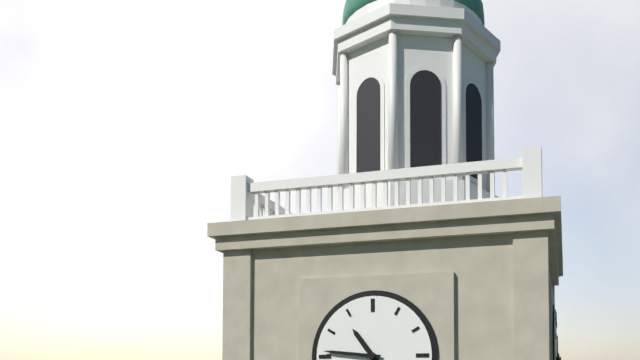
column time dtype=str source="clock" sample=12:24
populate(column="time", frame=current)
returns 10:46
